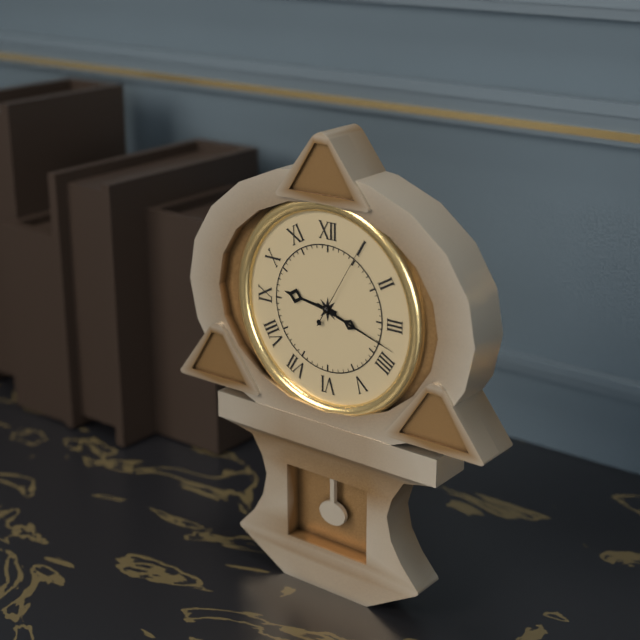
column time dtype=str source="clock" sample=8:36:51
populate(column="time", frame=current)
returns 9:18:05
